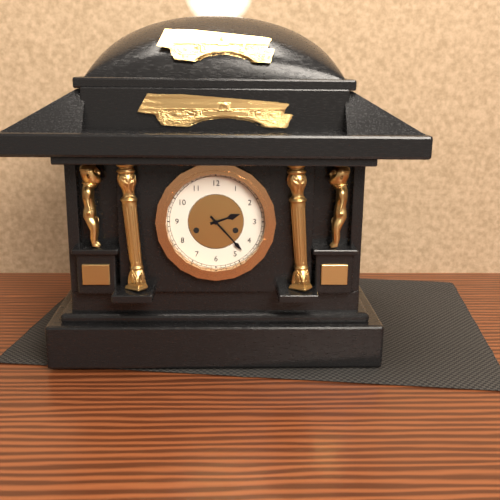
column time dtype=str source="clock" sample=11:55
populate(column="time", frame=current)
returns 2:23
